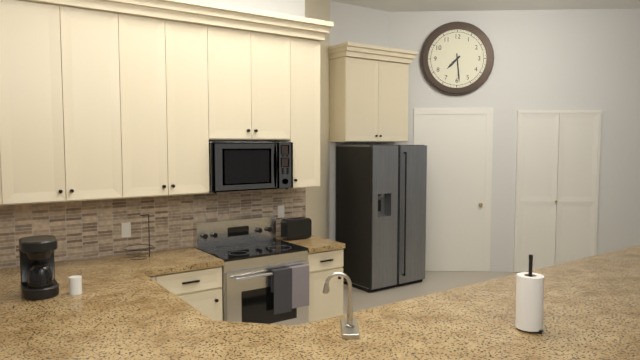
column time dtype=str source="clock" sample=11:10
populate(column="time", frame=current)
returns 7:29
